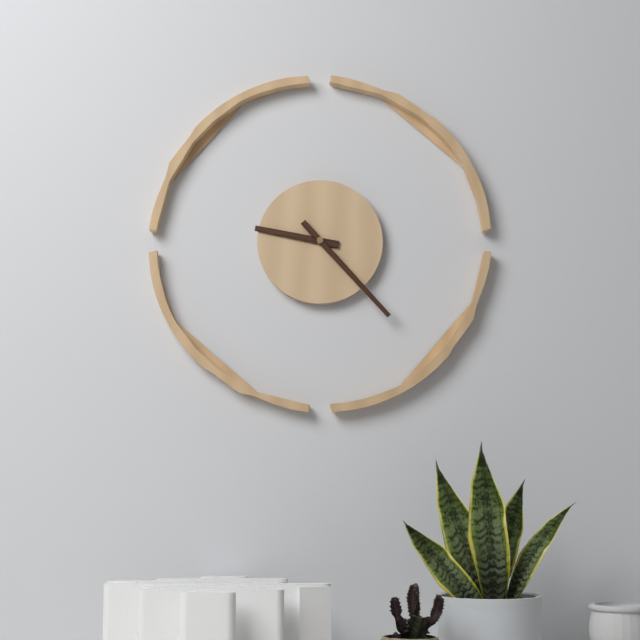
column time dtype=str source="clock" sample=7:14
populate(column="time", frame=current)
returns 9:23
